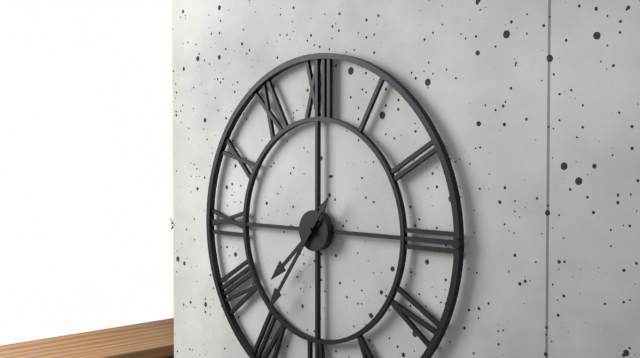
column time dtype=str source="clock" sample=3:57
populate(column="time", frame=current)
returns 7:36
